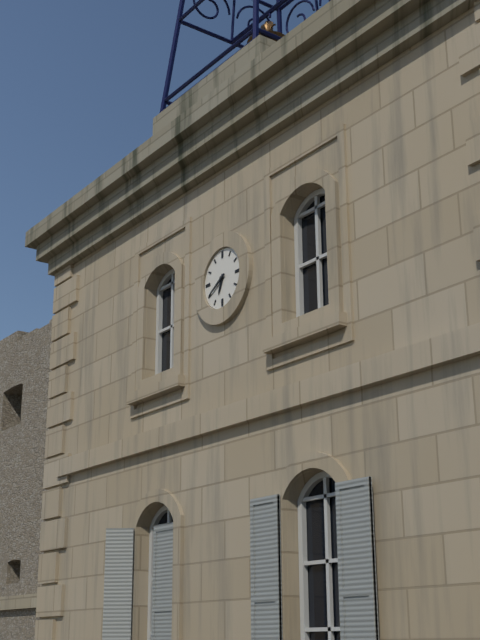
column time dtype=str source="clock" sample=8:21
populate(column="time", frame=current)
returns 6:40
